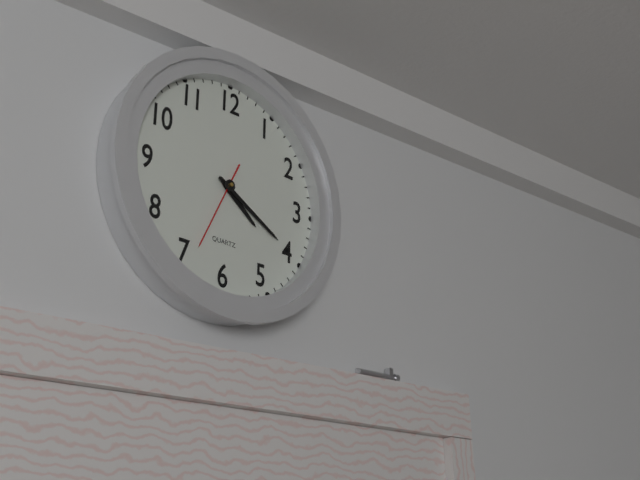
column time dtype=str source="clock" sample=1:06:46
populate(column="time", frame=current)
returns 4:20:34
